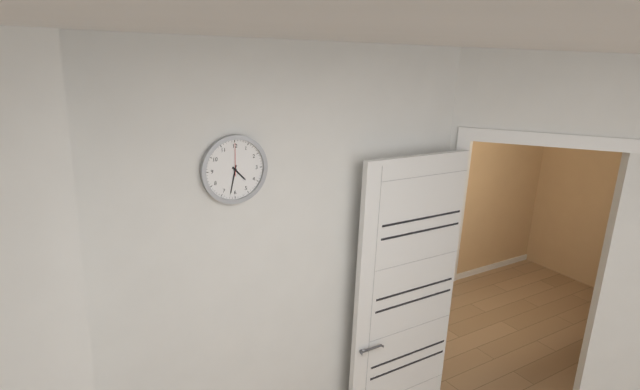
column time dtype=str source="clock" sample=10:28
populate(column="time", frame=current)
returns 4:32
